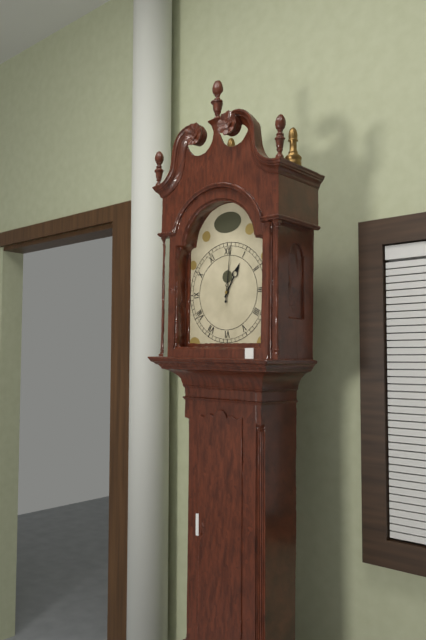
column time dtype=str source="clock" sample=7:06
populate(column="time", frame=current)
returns 1:01
